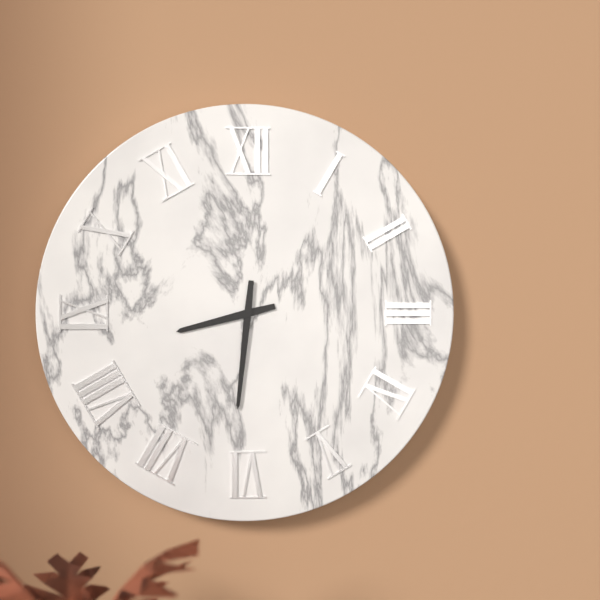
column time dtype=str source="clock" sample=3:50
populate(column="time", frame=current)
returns 8:31
